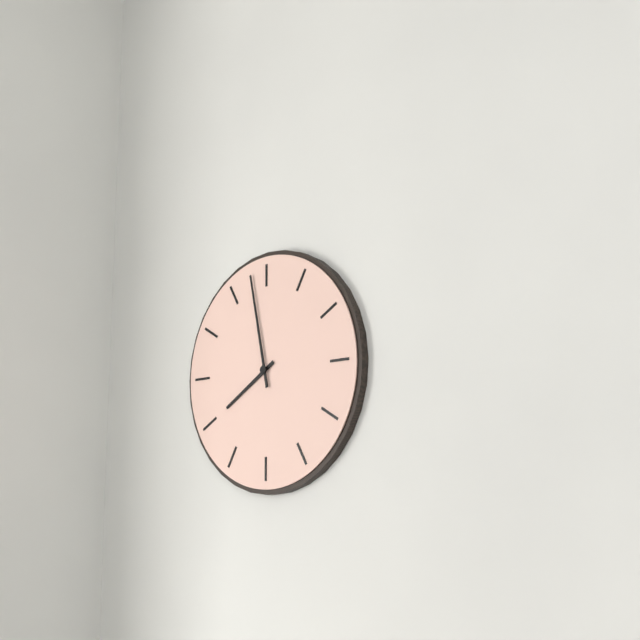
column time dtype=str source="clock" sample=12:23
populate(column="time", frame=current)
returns 7:58
